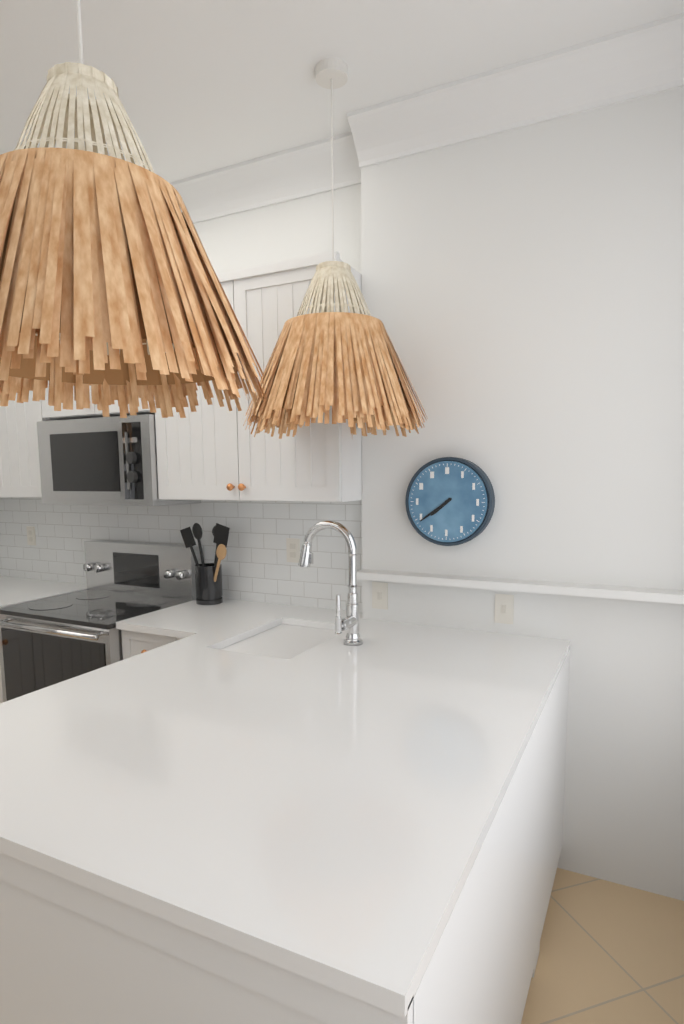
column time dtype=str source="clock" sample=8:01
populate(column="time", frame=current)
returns 7:39
